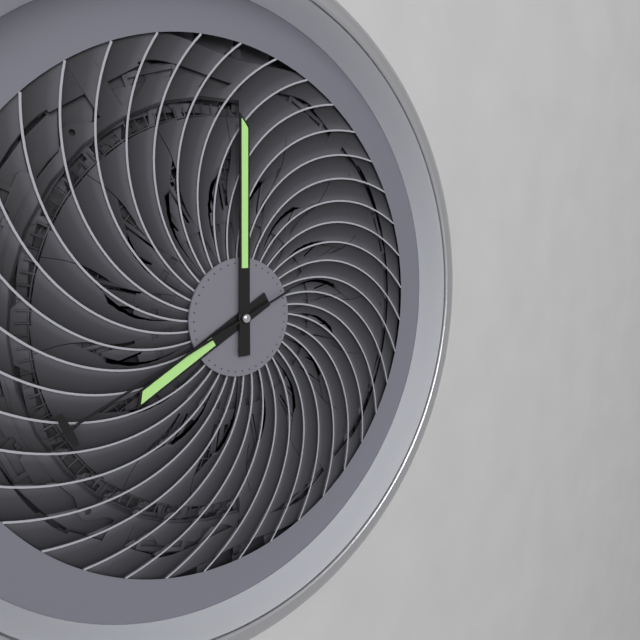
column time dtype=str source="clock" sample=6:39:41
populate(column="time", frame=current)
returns 8:00:41
